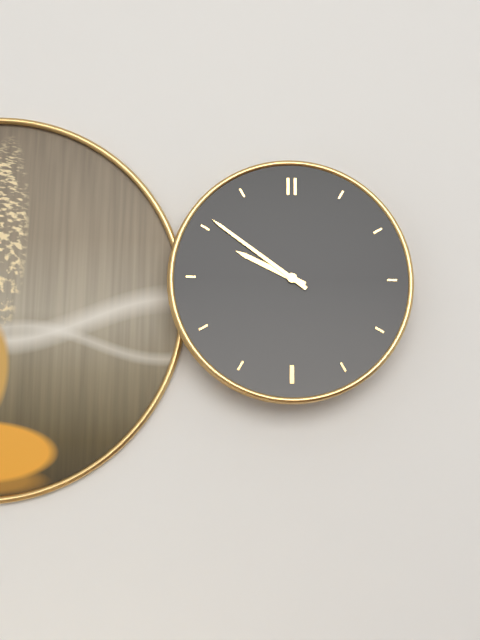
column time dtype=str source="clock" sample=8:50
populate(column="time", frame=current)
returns 9:51
